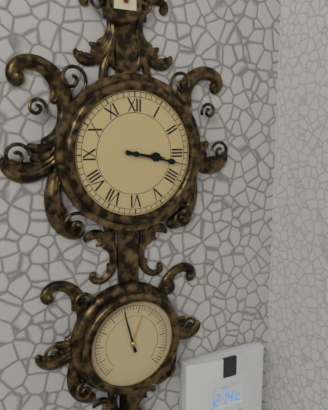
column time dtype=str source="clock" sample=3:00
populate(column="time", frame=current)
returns 3:17
